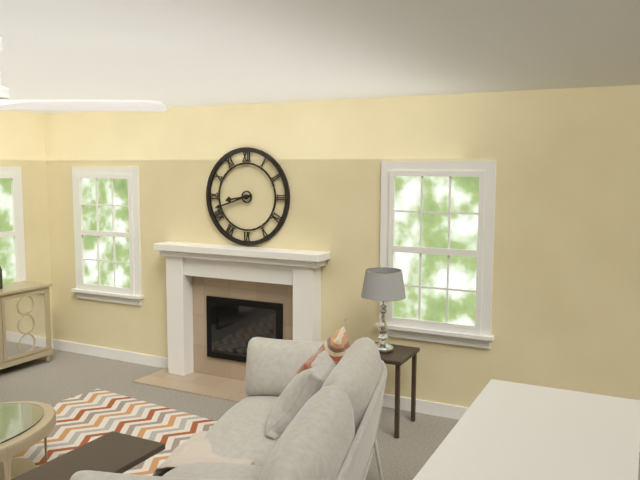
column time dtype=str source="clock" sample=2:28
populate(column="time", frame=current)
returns 8:42
